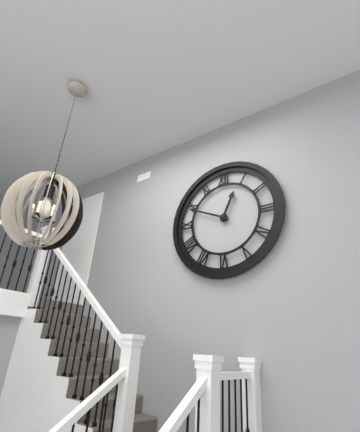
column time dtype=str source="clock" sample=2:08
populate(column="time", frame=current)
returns 12:49
